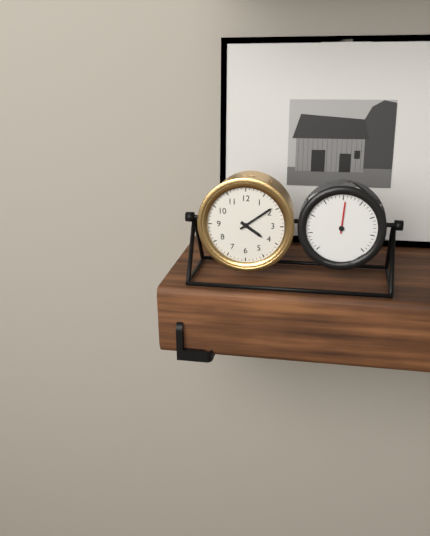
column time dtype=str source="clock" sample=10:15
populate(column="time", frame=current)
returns 4:09
